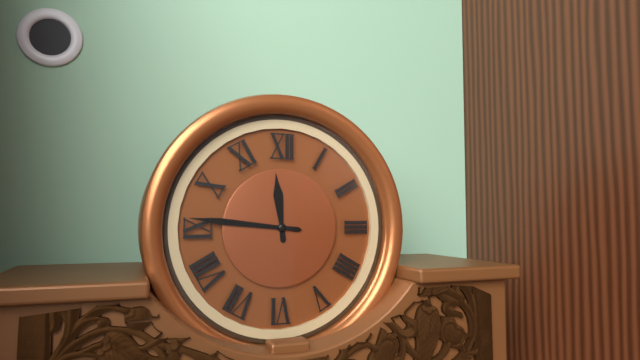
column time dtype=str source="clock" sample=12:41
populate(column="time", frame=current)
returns 11:46
